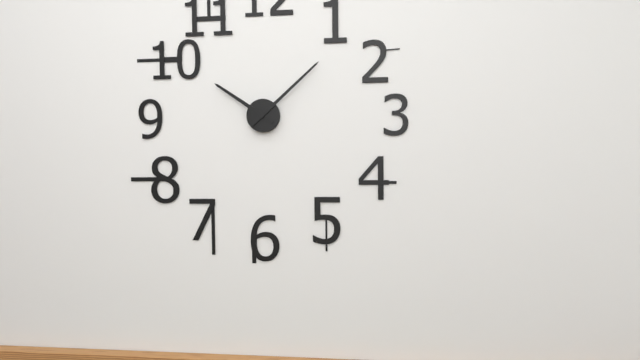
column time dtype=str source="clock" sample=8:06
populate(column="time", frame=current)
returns 10:08
